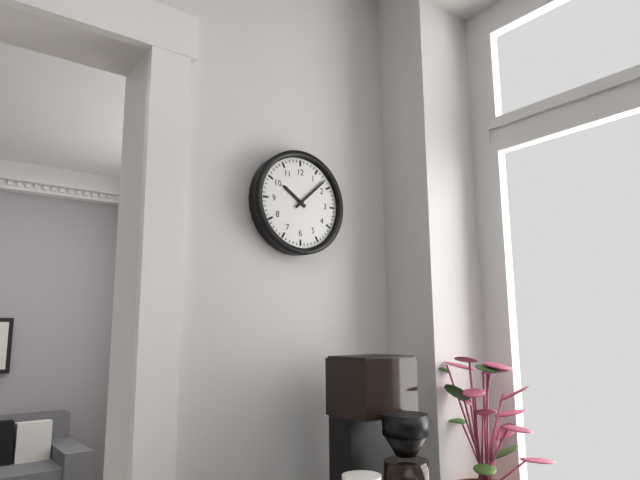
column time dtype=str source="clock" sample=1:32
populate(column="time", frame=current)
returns 10:08
